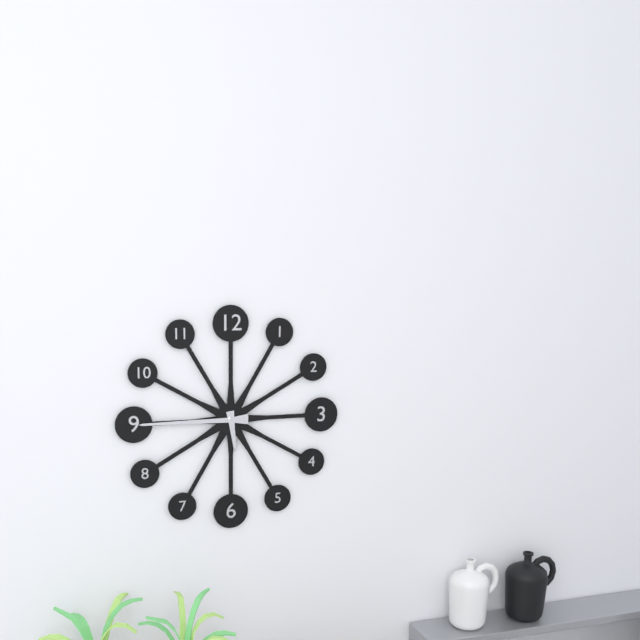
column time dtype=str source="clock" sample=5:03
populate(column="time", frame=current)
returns 5:45
